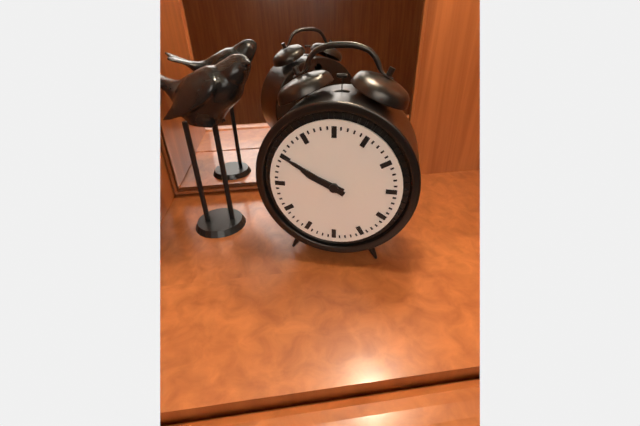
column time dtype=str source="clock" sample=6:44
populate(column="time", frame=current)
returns 9:50
